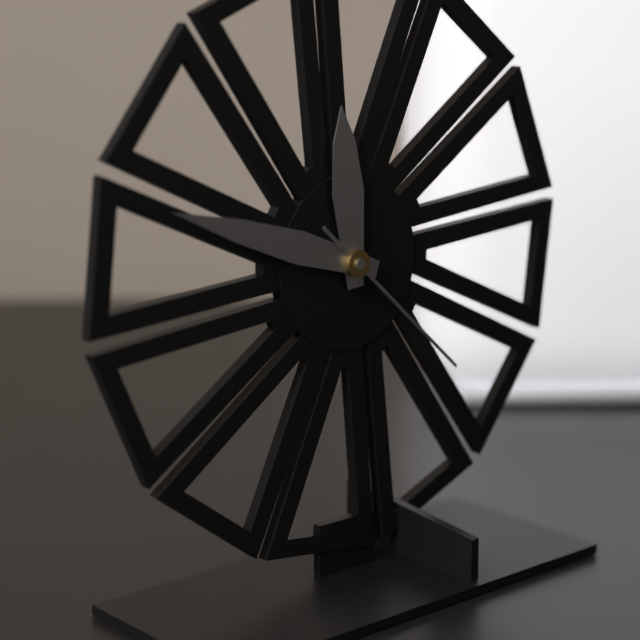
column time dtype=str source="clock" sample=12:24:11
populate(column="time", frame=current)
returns 11:48:22
